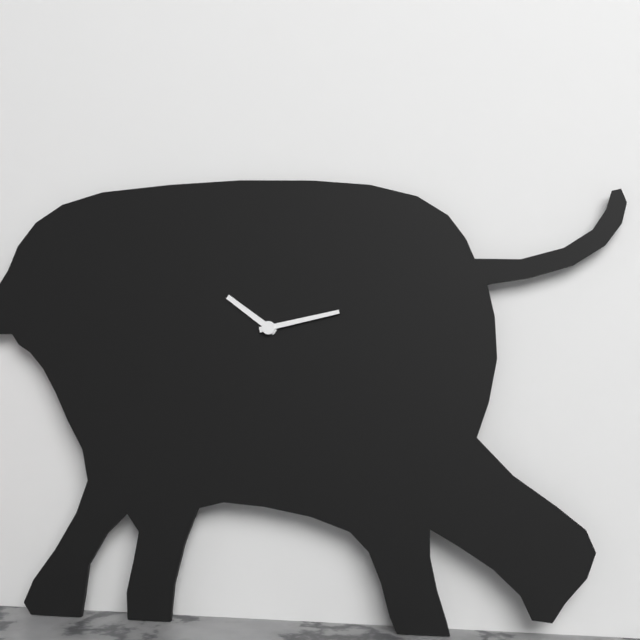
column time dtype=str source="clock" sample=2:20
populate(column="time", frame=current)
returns 10:13
